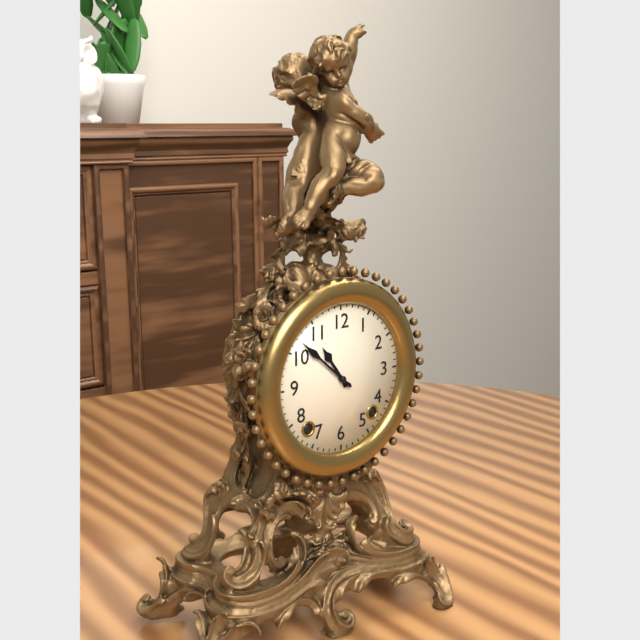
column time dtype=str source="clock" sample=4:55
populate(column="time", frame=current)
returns 10:52
